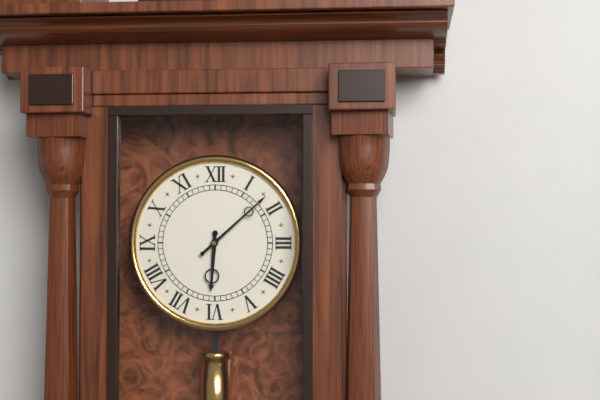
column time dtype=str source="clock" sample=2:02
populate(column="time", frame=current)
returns 6:08
